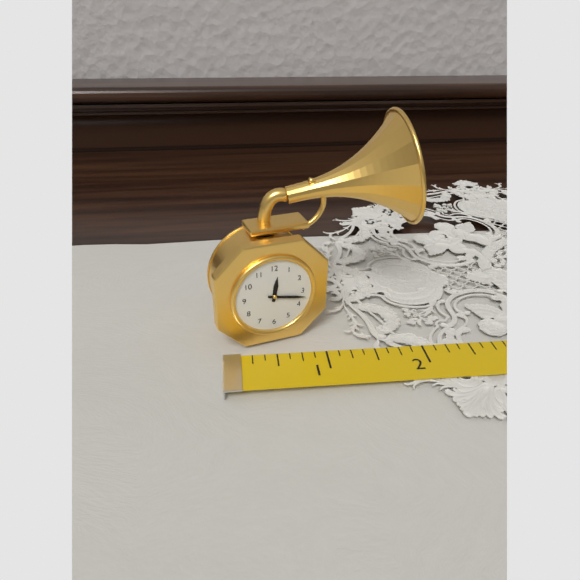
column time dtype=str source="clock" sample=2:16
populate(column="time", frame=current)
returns 12:17
